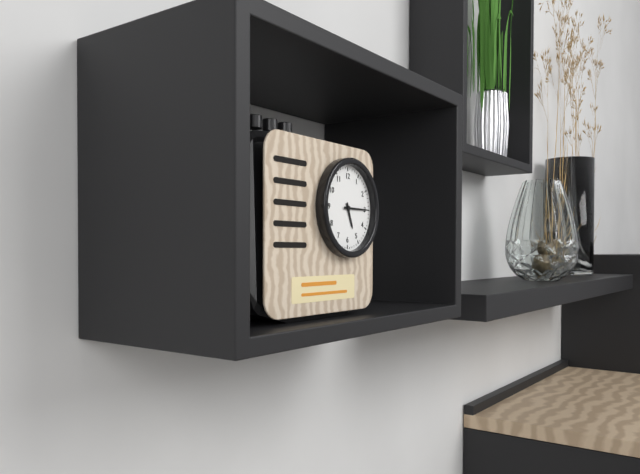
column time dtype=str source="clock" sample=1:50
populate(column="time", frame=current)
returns 5:15
